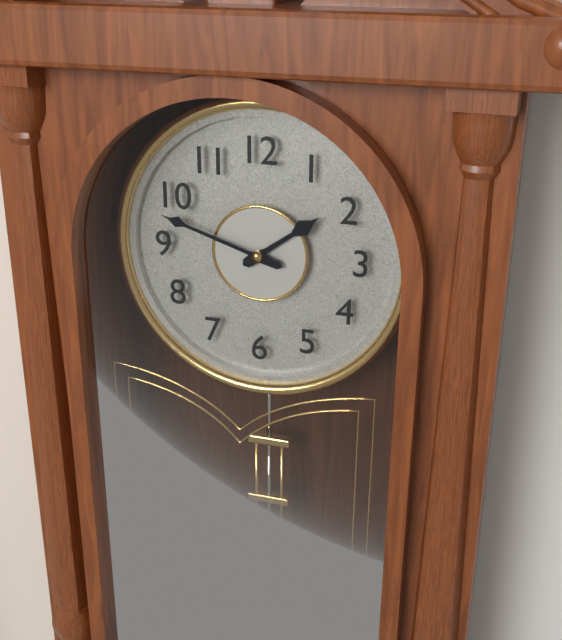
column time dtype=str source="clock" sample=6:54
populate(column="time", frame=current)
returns 1:48
